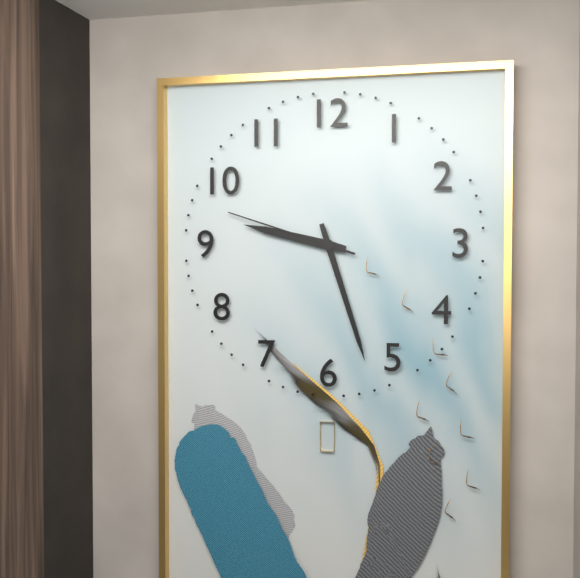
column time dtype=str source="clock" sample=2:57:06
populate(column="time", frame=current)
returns 9:27:48
